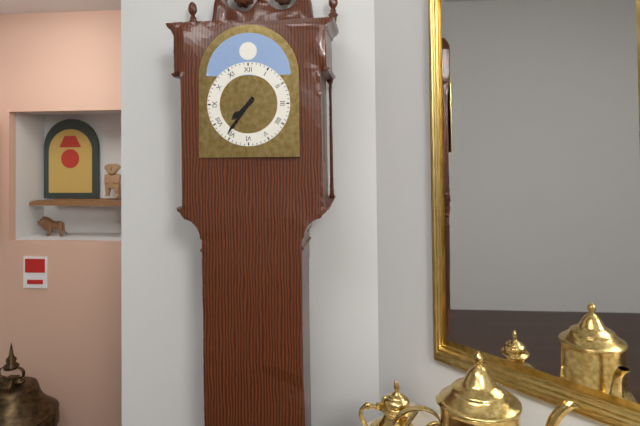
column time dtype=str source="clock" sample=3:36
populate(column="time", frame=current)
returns 7:36
